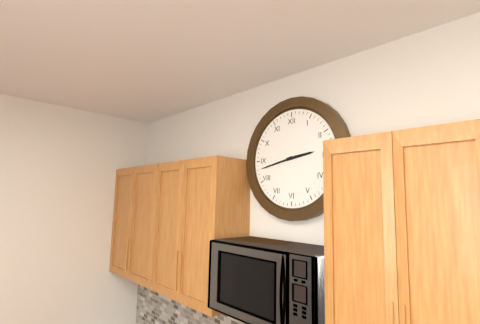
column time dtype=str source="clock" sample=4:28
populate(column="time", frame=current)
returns 2:43
